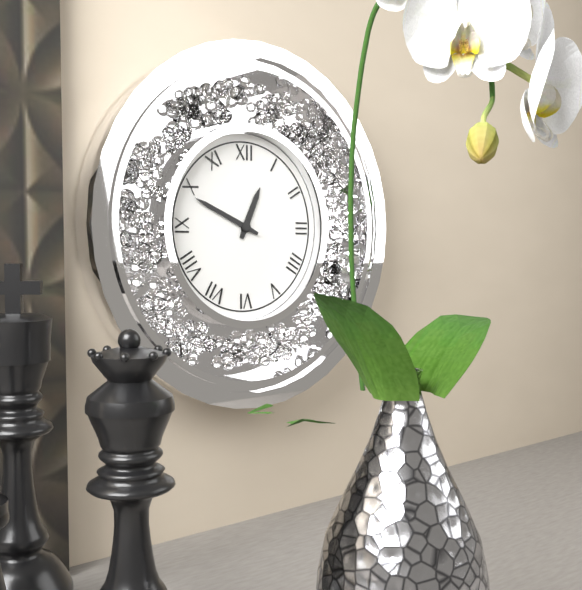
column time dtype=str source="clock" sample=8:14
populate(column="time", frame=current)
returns 12:49
